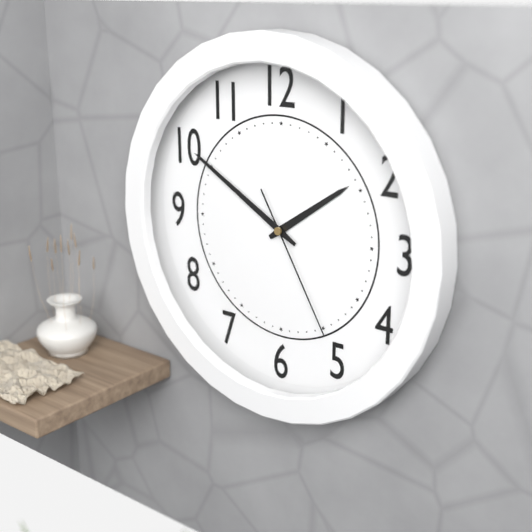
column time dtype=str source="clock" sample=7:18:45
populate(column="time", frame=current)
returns 1:50:25
